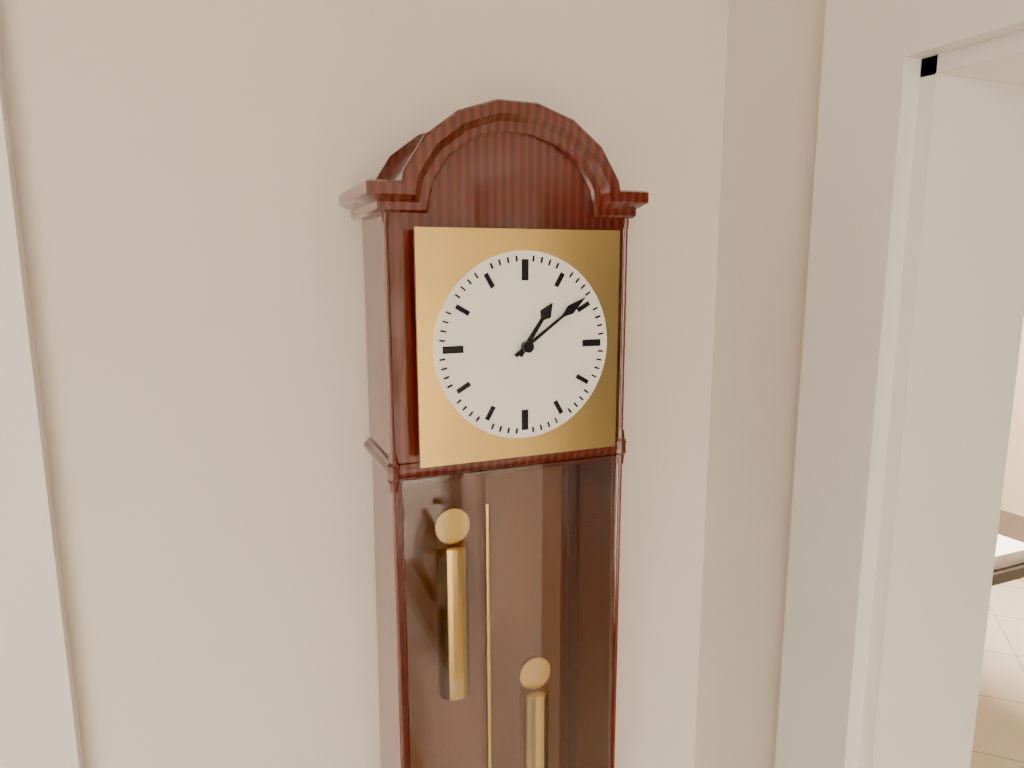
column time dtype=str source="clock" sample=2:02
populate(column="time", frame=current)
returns 1:09
